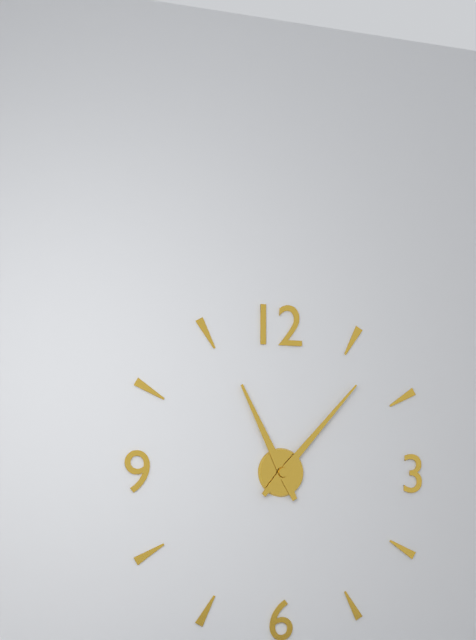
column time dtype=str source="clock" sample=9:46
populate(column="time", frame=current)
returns 11:07
